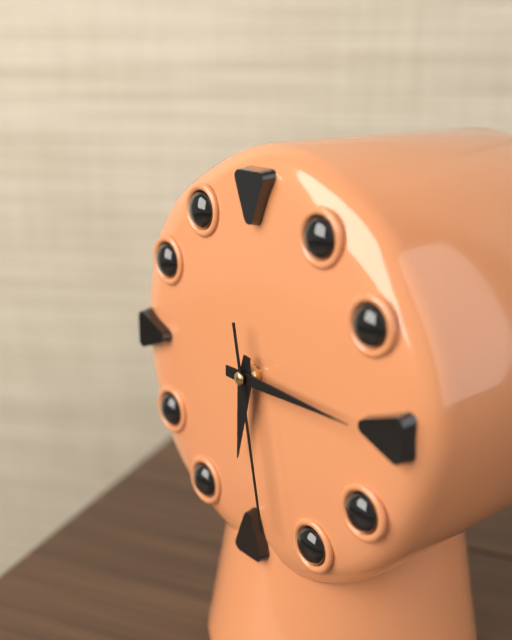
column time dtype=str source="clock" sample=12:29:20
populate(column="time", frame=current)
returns 6:15:28
